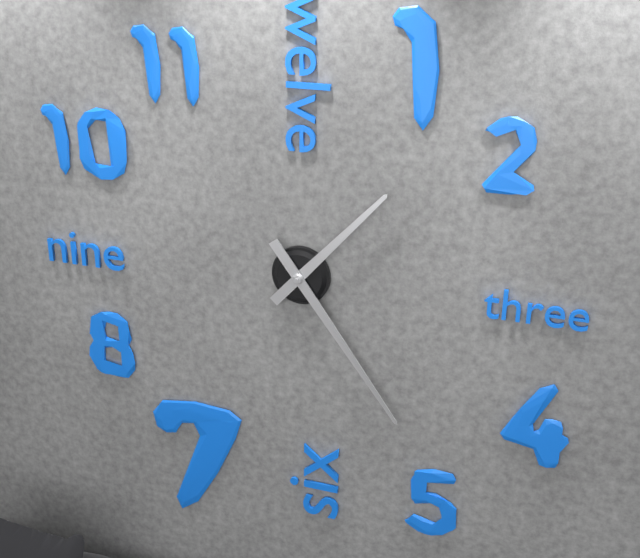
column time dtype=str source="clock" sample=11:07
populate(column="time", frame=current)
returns 1:24
